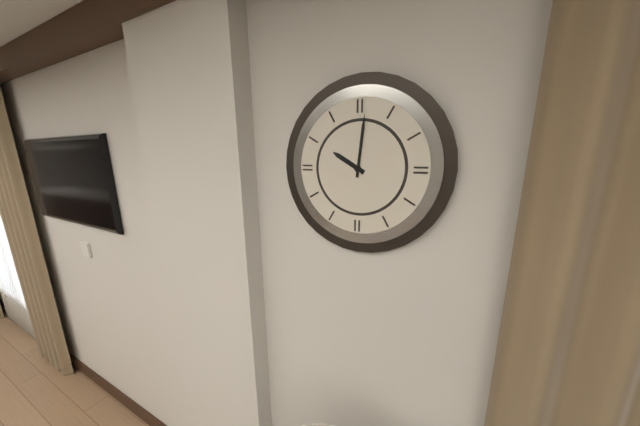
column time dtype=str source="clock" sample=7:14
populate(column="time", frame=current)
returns 10:01
